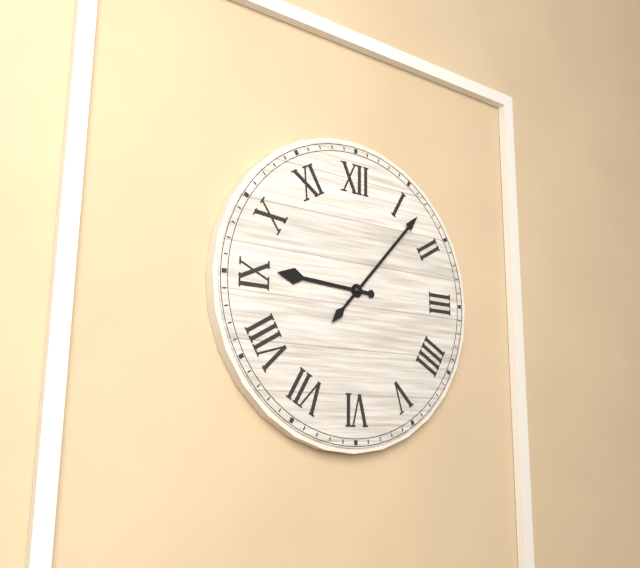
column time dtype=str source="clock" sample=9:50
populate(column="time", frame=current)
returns 9:07
